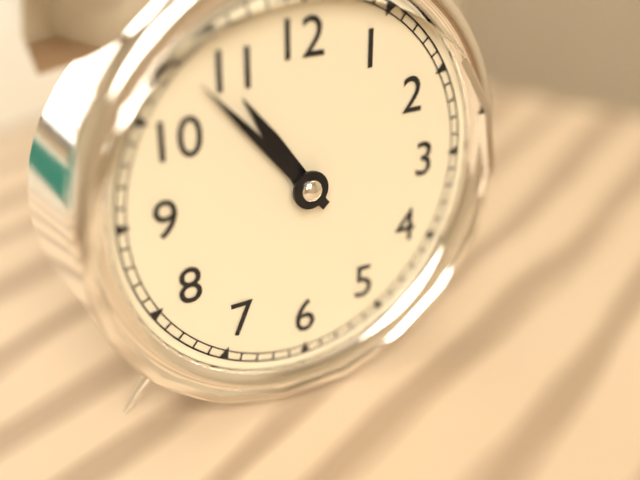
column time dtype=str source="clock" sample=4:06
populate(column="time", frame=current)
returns 10:53
